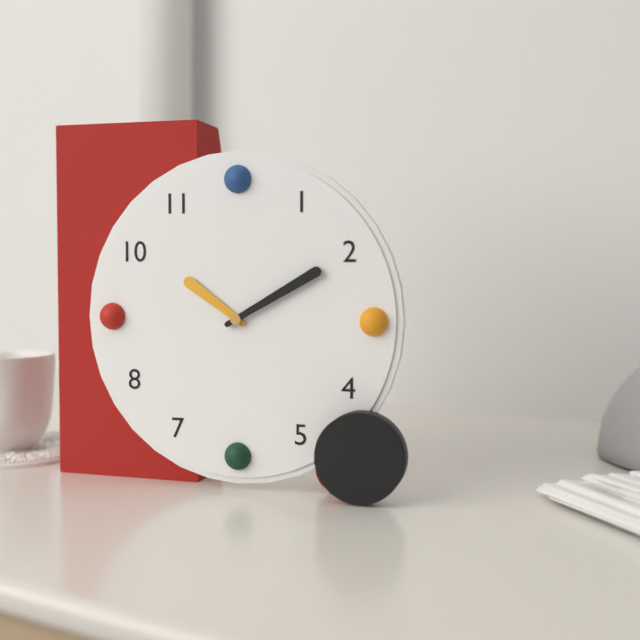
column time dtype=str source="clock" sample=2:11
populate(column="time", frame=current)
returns 10:10
